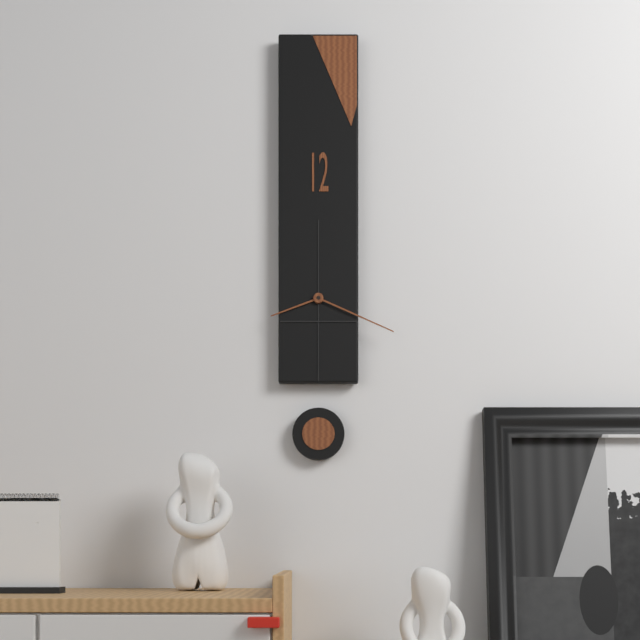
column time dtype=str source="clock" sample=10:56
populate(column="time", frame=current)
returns 8:19
